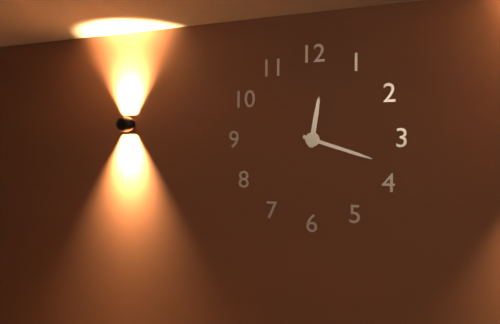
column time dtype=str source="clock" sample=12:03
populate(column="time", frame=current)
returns 12:18
